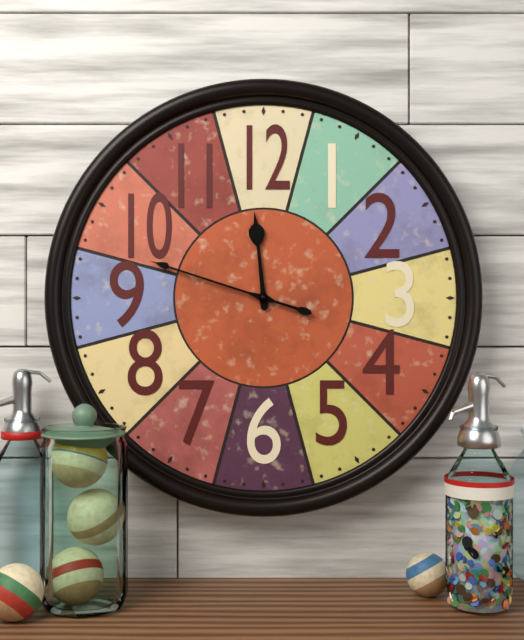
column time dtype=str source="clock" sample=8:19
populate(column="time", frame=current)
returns 11:48
